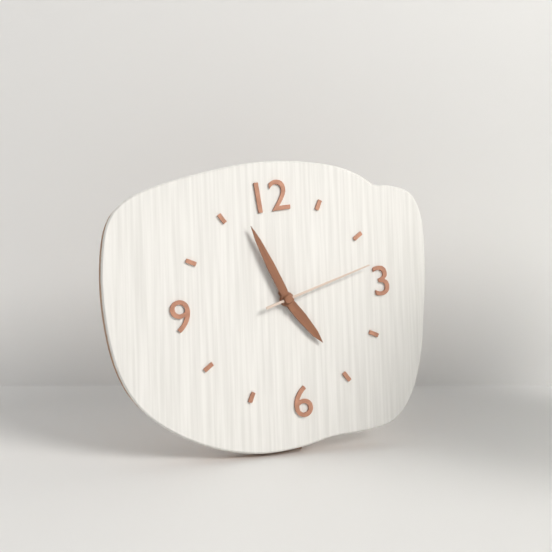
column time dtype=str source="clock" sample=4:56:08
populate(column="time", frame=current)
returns 4:57:13
